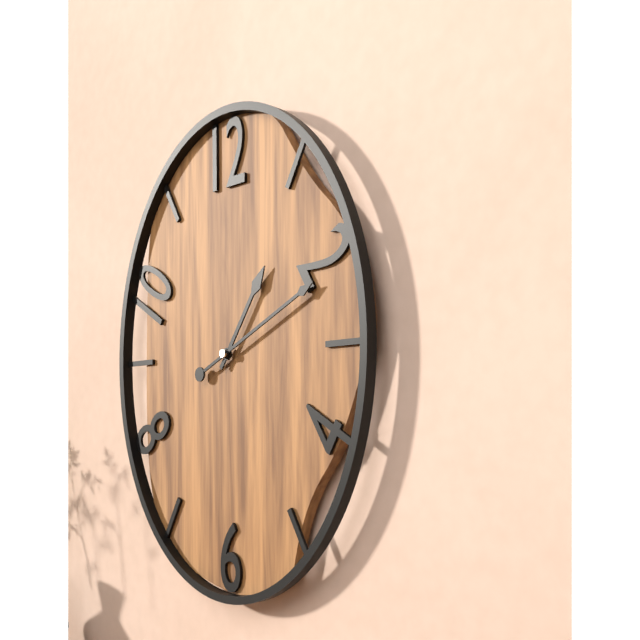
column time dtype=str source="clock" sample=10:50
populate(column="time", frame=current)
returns 1:11
